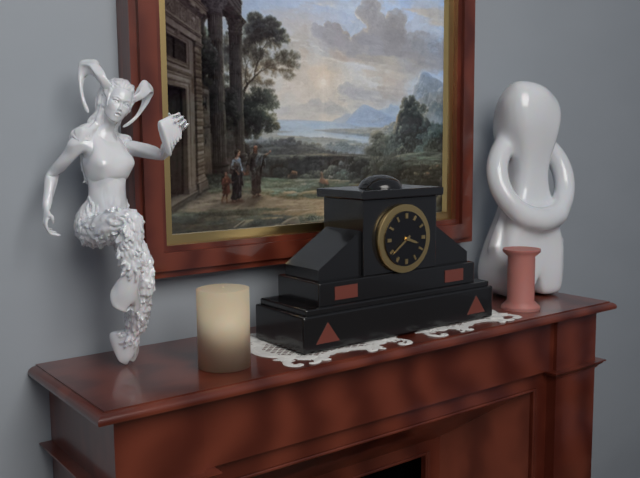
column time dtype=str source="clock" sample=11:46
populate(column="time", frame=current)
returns 3:39
